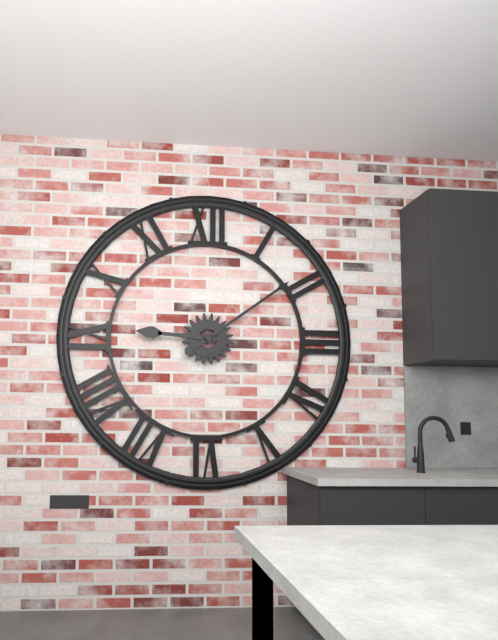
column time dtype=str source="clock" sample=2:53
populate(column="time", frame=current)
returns 9:09
